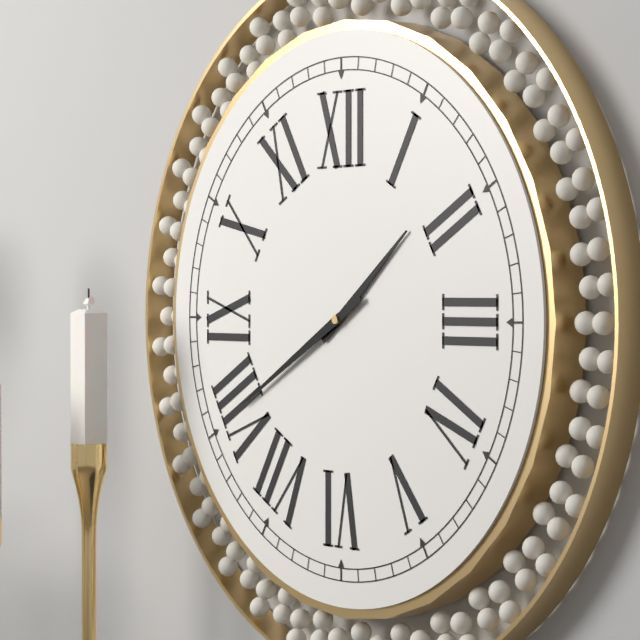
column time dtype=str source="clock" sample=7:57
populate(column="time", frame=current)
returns 1:40
